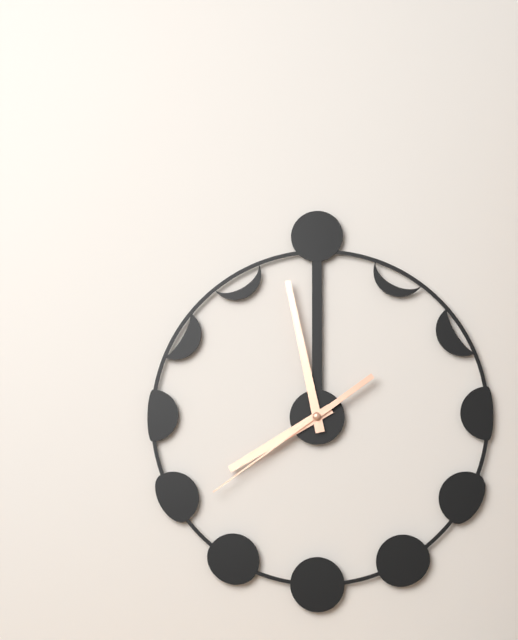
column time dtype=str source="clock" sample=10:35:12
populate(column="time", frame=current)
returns 7:58:39
